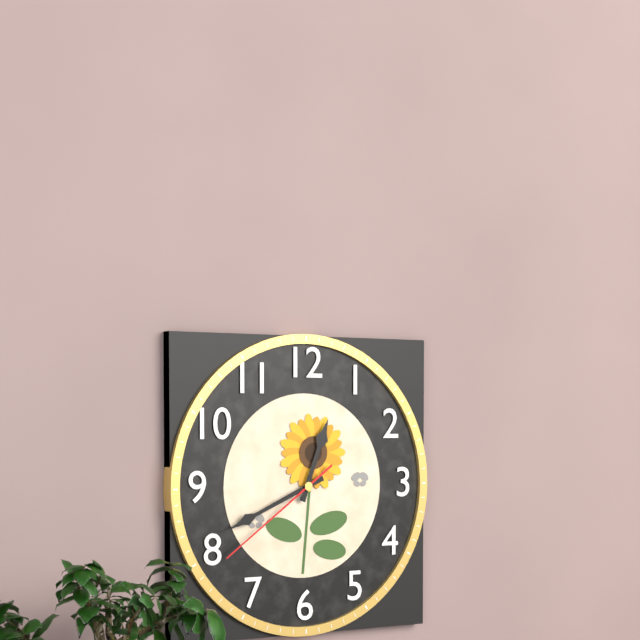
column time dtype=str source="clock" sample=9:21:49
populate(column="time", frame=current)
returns 12:41:39
